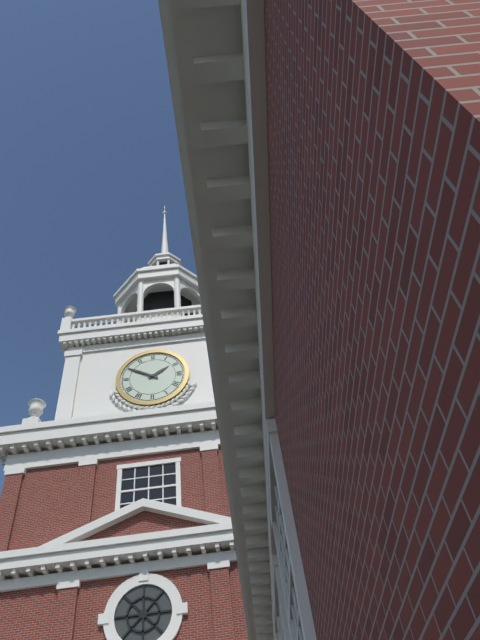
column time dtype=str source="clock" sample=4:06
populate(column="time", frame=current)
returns 1:50
